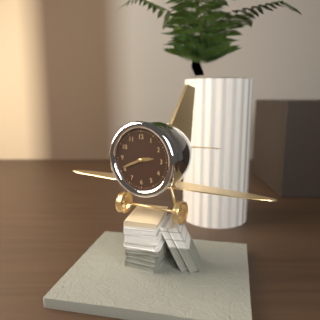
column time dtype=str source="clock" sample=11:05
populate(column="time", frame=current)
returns 2:41
